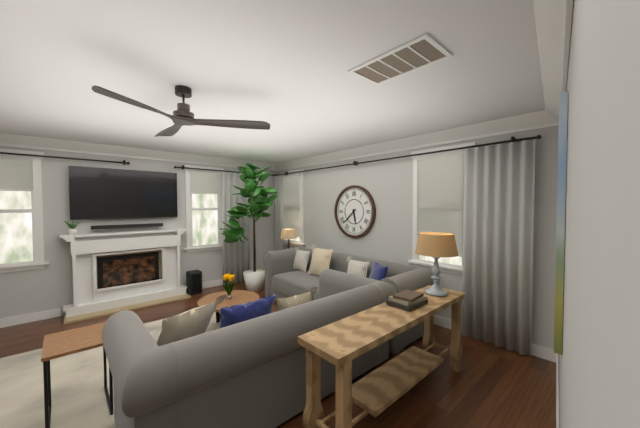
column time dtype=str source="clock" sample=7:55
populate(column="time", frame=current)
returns 5:38
